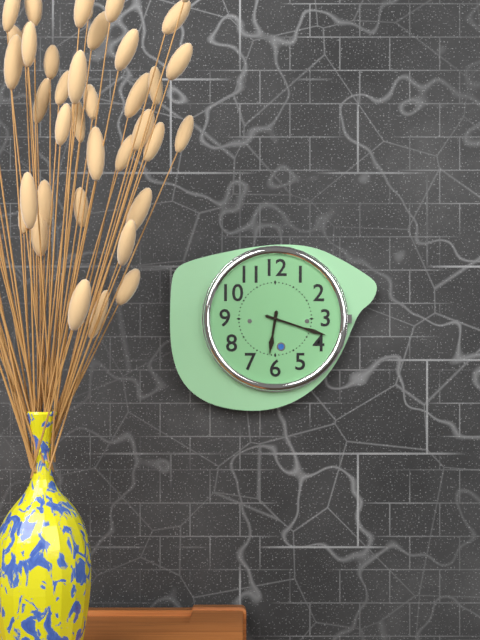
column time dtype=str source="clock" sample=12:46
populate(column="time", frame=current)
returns 6:18
